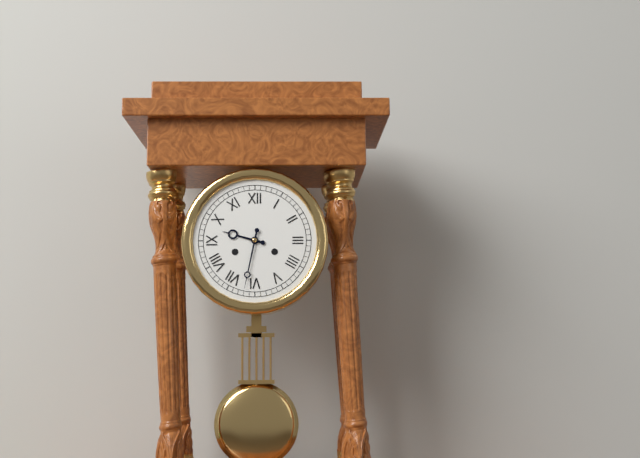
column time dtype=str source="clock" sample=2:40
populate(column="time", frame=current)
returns 9:32
